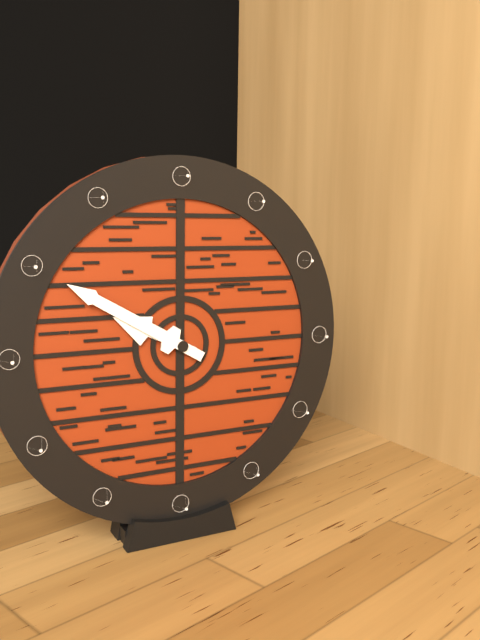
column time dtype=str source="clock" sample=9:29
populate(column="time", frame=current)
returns 9:50
